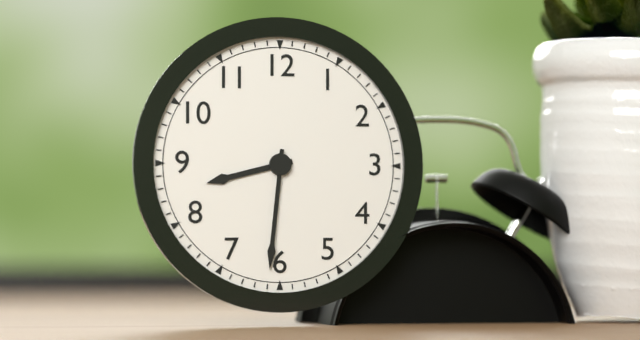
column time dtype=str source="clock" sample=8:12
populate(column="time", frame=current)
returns 8:31
